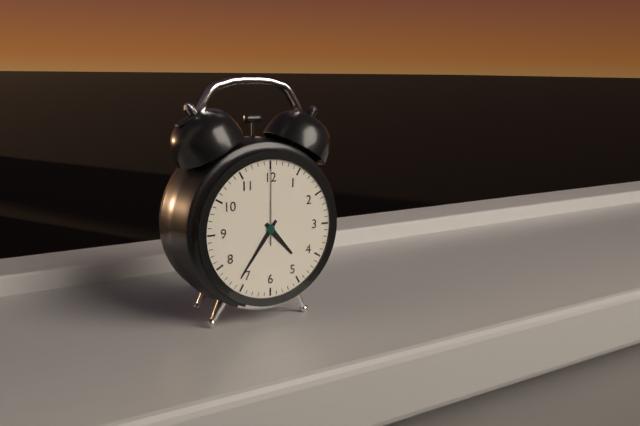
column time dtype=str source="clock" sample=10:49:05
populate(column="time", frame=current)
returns 4:36:00
